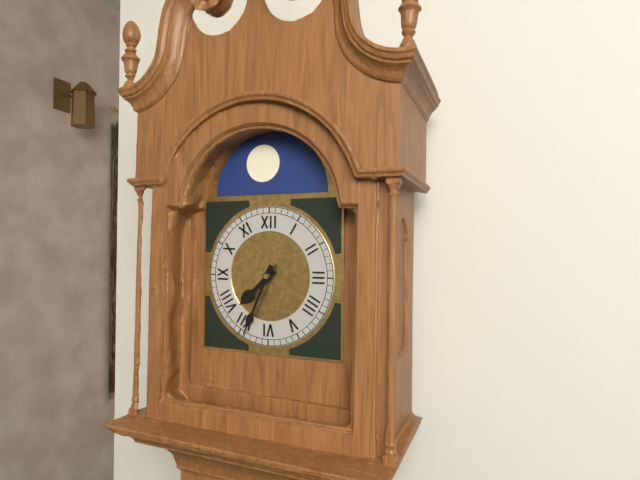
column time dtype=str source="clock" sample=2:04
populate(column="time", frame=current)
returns 7:34
